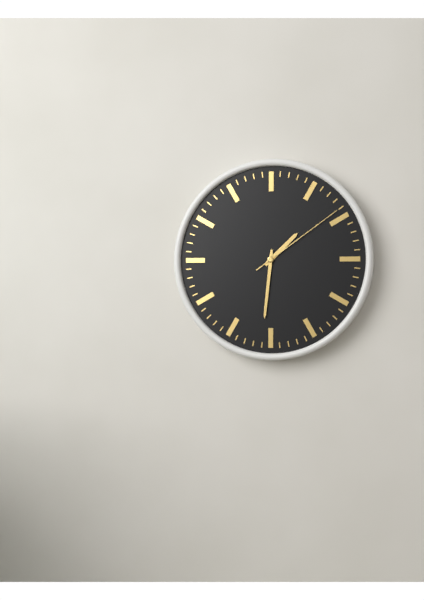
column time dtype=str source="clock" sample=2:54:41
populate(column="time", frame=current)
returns 1:31:09
